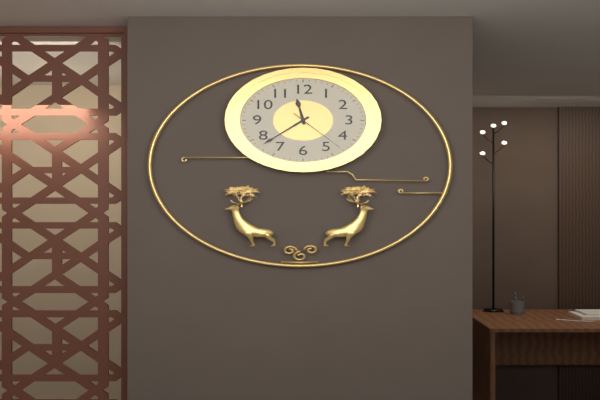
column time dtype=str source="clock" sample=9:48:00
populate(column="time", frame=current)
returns 11:38:23
